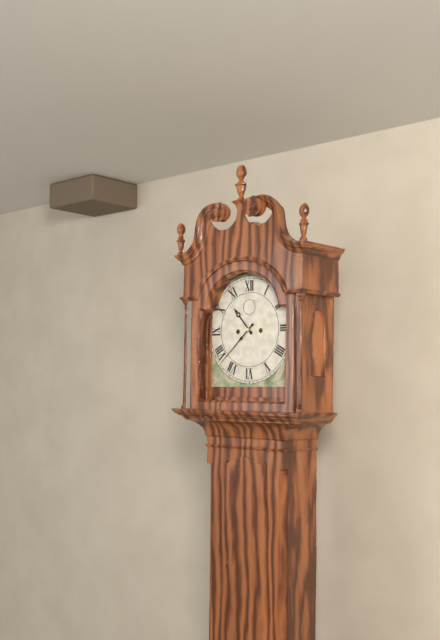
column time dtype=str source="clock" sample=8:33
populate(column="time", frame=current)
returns 10:38
